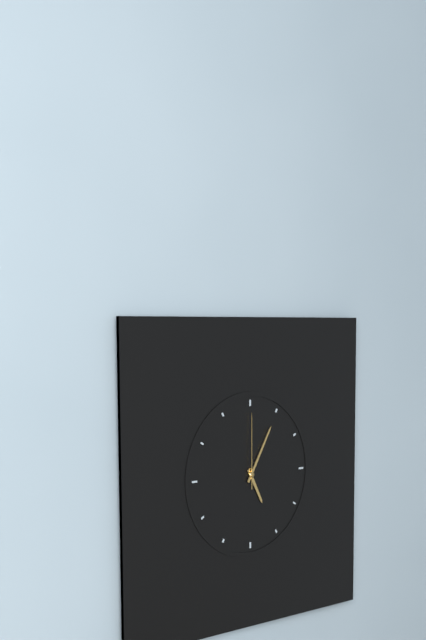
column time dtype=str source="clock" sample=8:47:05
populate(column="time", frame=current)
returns 5:05:00
